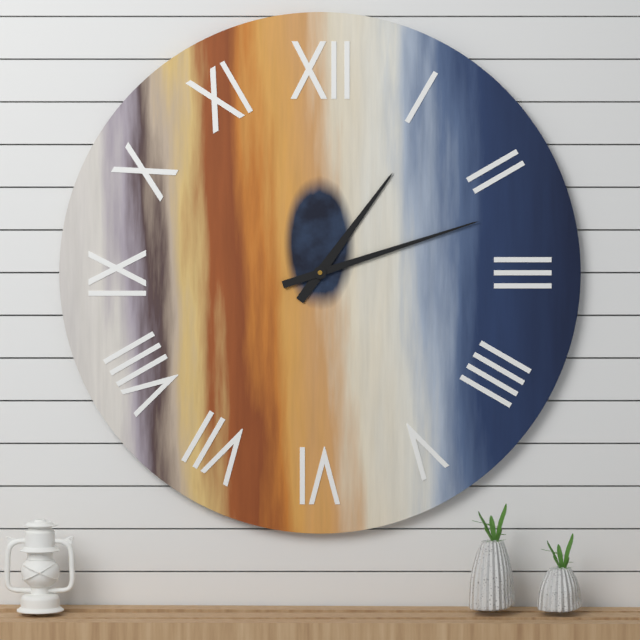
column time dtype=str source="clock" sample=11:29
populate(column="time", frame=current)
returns 1:12
